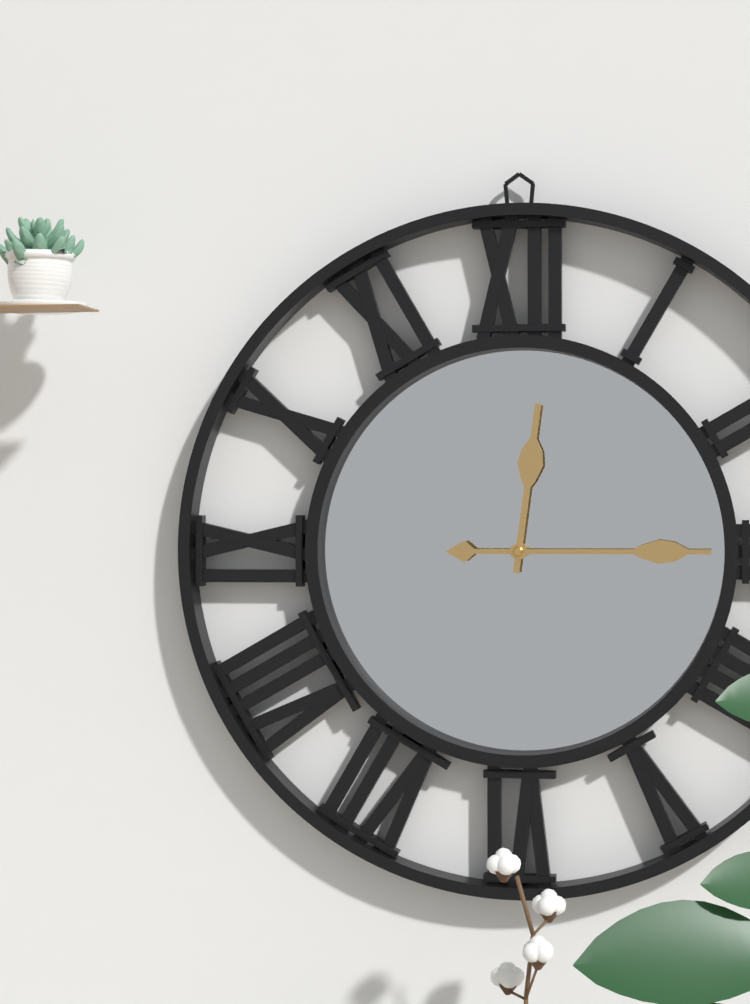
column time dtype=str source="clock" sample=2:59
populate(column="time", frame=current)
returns 12:15
